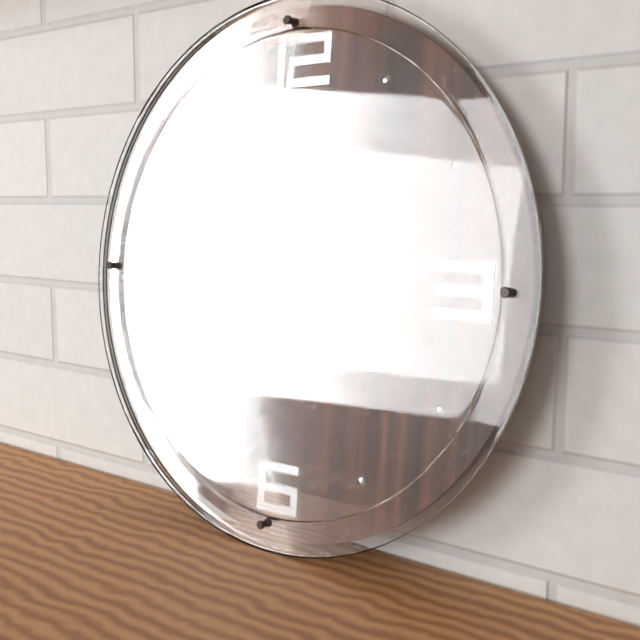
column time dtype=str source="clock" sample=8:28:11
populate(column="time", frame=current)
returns 7:57:47
